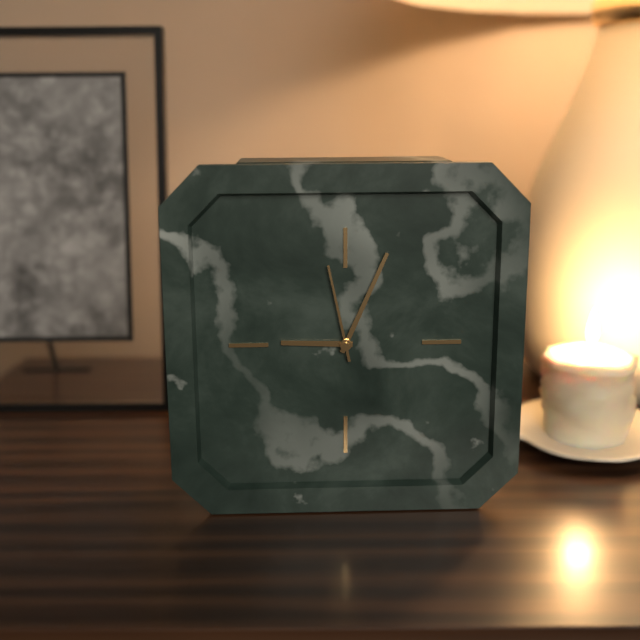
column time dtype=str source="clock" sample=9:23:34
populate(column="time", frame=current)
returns 9:04:58
